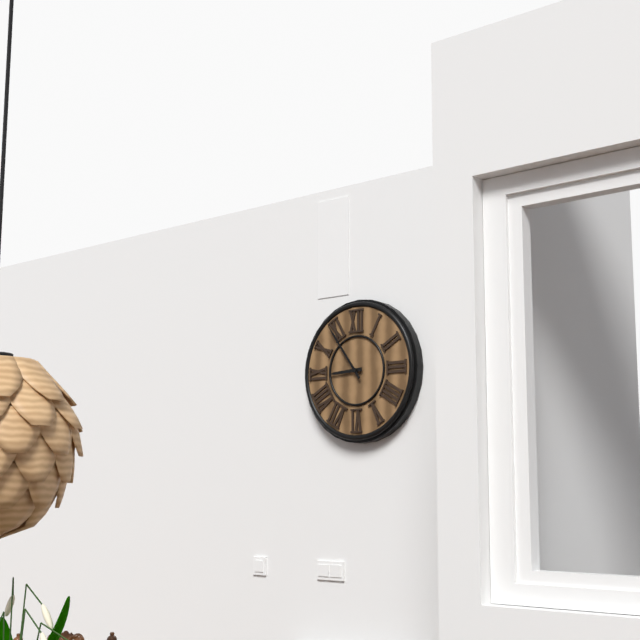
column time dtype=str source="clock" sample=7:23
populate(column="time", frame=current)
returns 8:54
